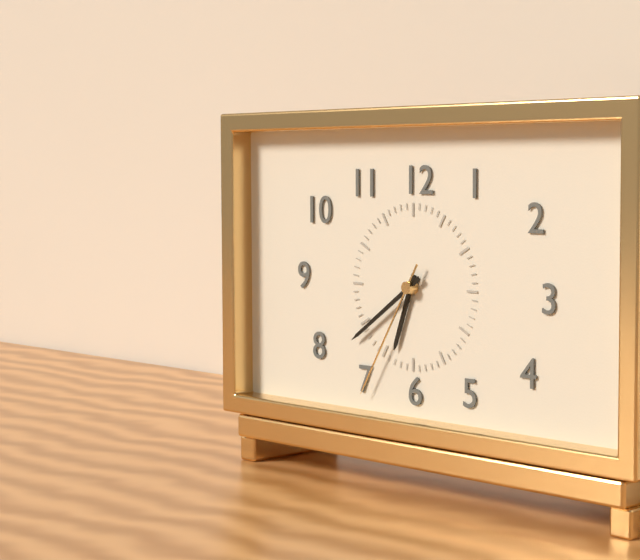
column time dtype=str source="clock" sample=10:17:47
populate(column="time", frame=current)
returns 6:39:35
